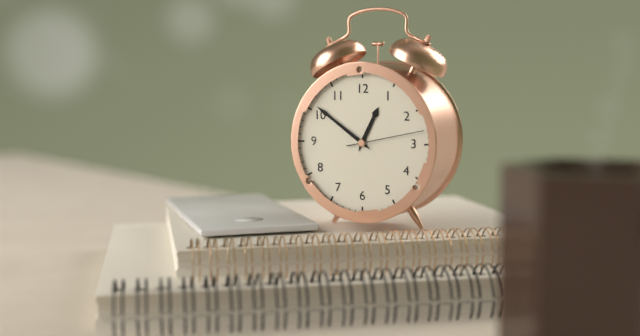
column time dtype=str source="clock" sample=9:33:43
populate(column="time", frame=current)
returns 12:51:13
